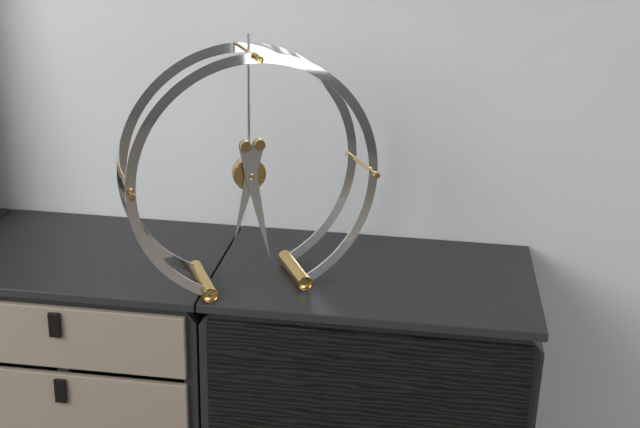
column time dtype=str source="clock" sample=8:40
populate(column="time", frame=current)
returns 6:28
